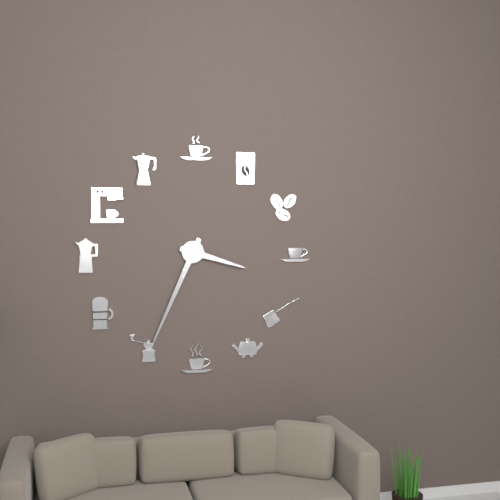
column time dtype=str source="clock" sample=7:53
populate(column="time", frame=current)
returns 3:34
